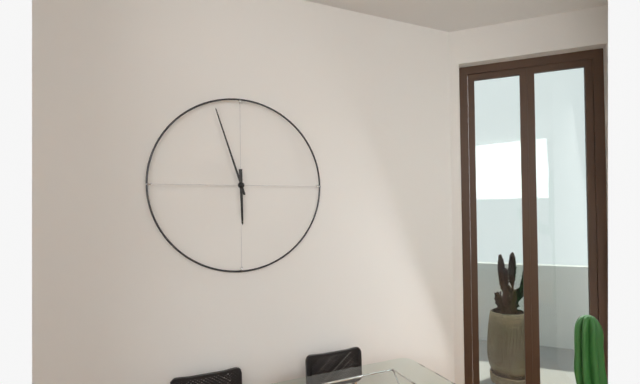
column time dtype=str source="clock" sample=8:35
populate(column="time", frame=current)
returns 5:57
